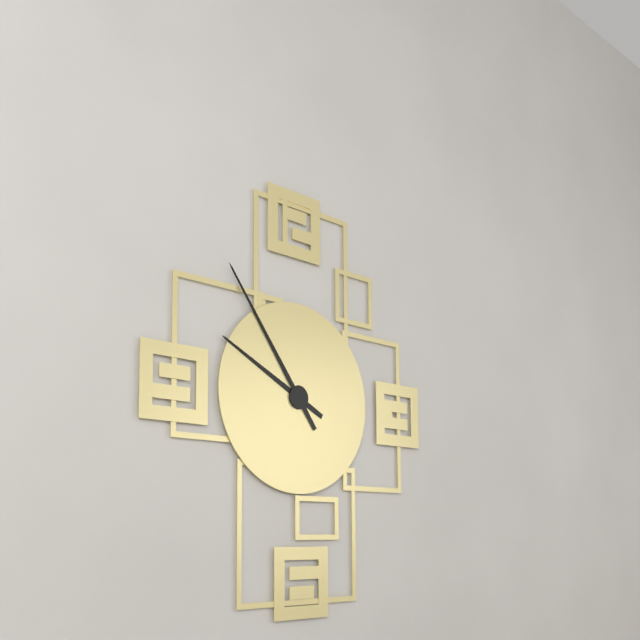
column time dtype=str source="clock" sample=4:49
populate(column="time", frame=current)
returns 9:54
